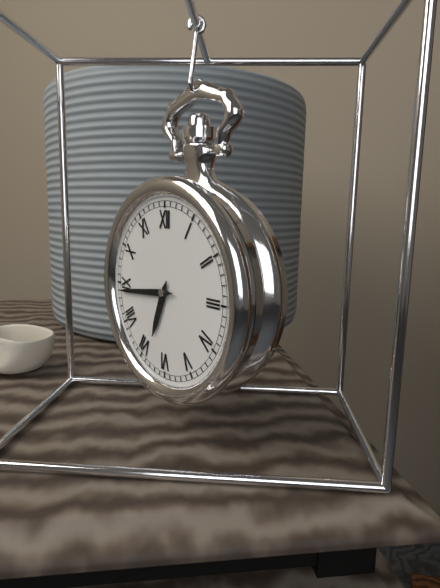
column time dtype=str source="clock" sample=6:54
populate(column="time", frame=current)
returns 6:44
